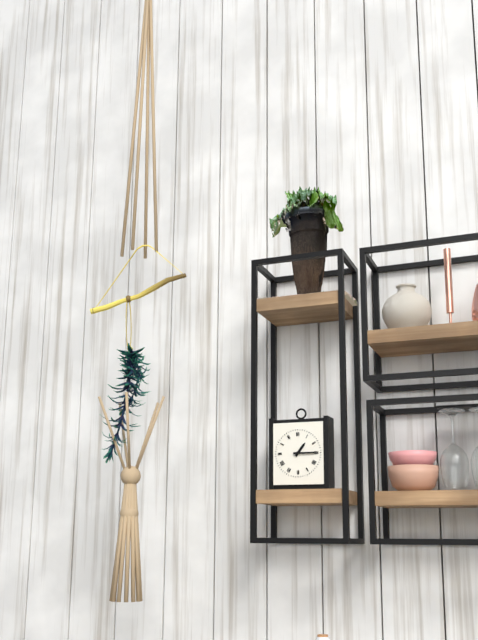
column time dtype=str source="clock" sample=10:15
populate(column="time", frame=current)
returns 1:15
